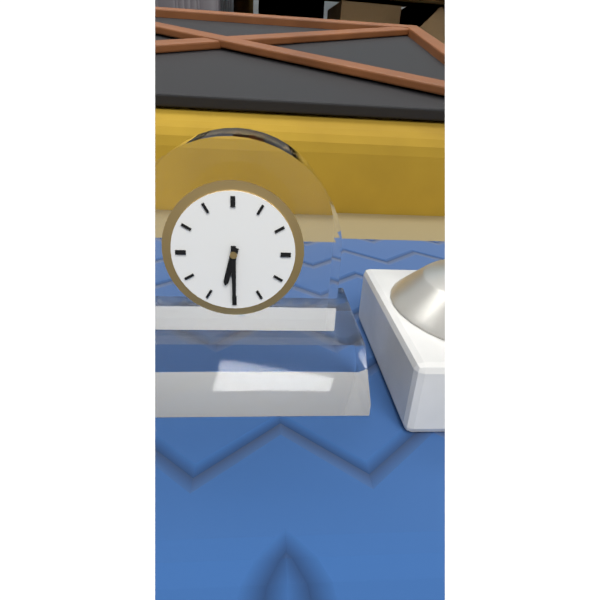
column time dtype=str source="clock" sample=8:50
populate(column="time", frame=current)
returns 6:30
